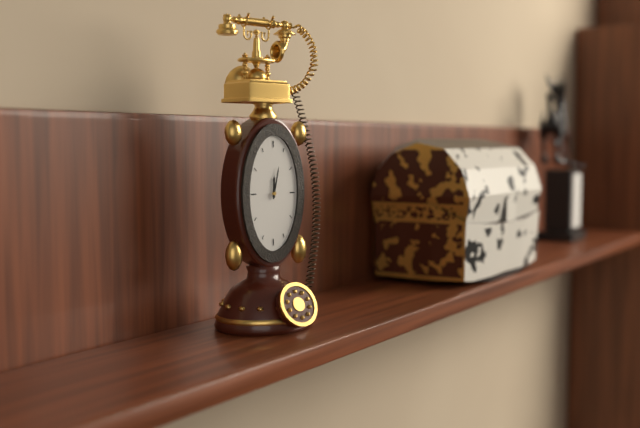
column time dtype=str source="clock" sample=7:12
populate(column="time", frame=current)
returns 12:02
